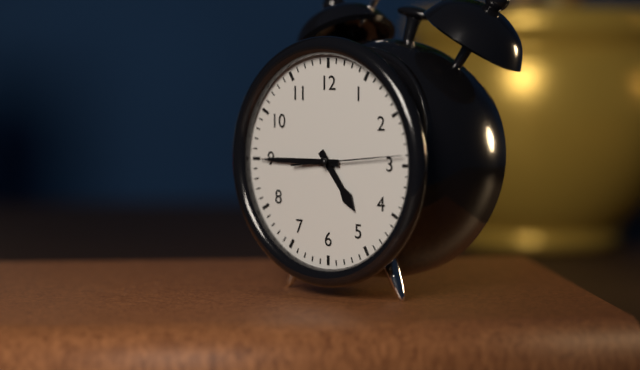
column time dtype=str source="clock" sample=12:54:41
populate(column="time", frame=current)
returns 4:45:14
